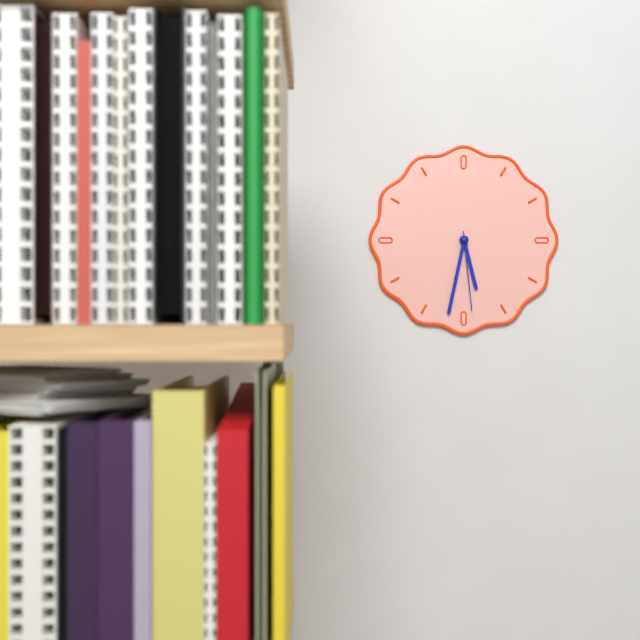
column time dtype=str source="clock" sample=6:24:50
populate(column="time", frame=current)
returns 5:32:29
